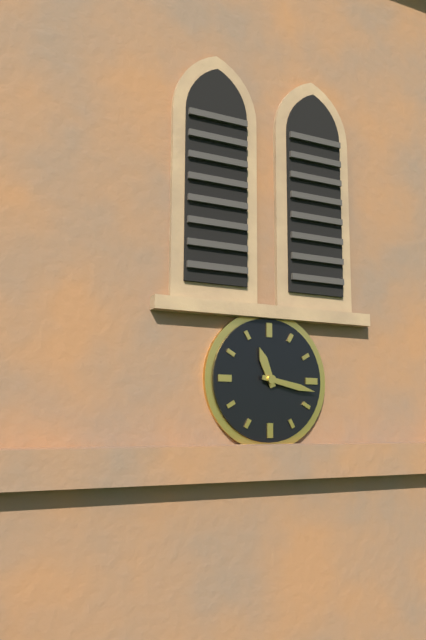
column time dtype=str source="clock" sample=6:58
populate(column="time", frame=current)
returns 11:17
